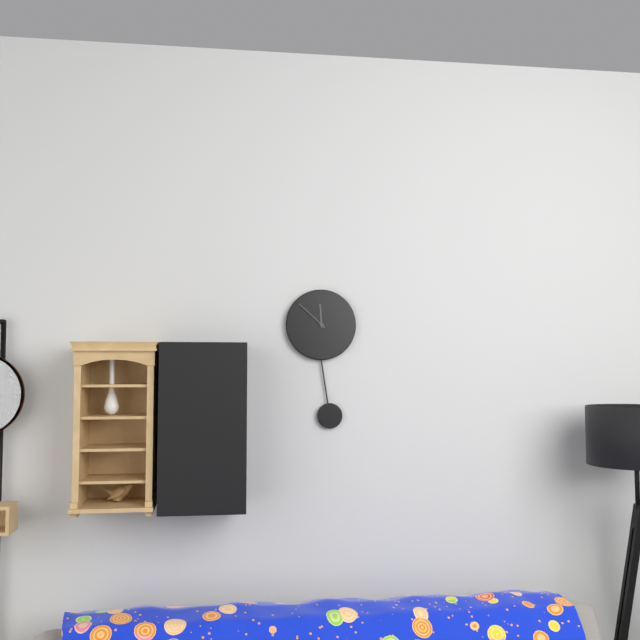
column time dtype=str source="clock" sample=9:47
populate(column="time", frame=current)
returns 11:52
